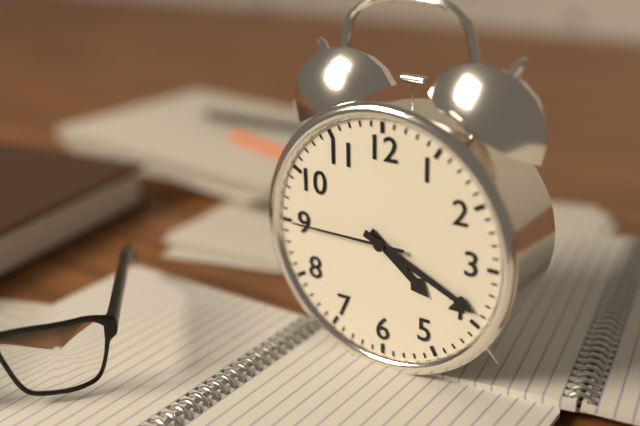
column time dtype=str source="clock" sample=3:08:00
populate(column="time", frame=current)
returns 4:19:45
